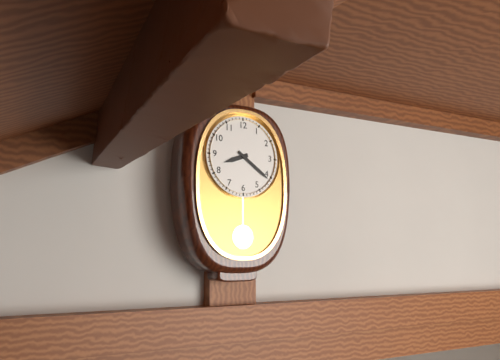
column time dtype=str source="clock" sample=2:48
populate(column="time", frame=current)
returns 8:21
